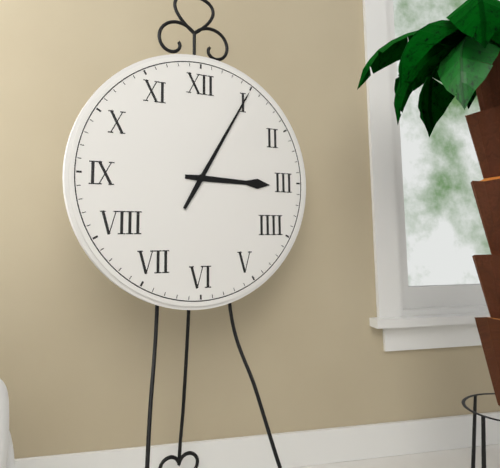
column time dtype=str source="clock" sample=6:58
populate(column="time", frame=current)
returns 3:05
